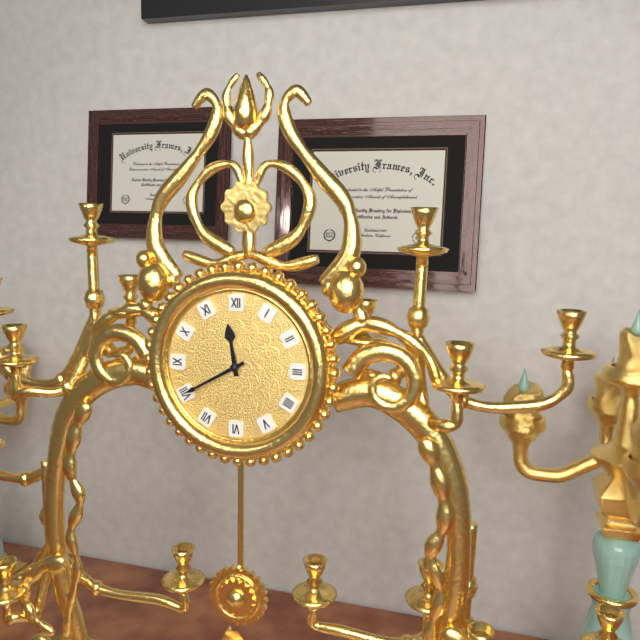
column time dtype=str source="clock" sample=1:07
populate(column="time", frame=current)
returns 11:40
